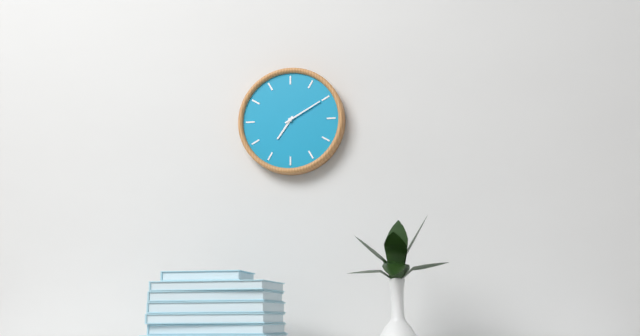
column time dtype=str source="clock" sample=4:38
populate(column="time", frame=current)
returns 7:10
